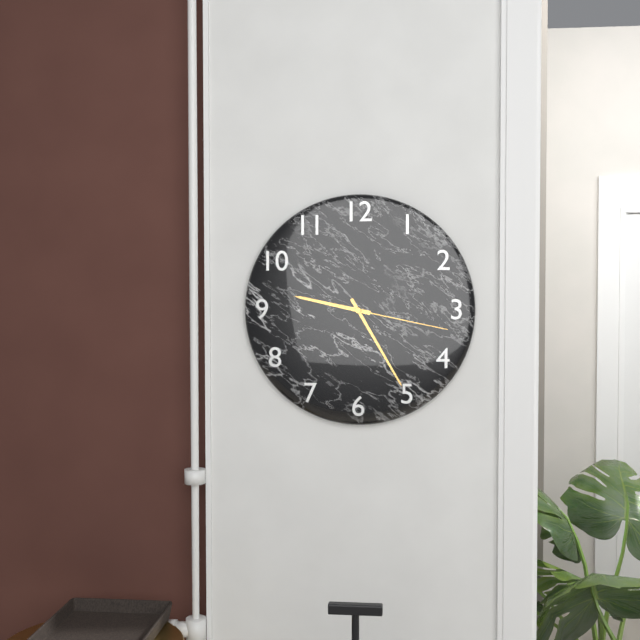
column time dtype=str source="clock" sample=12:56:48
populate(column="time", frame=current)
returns 9:25:17
